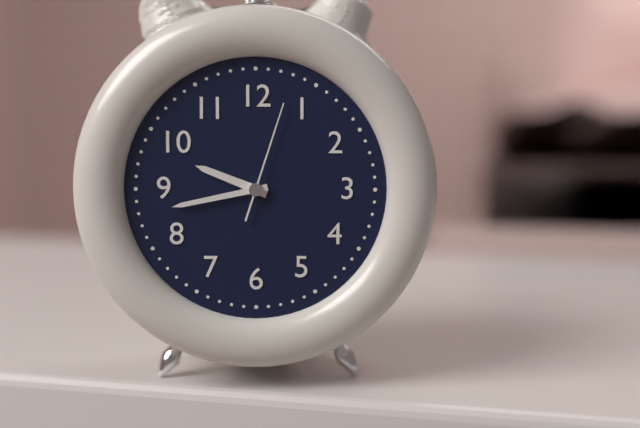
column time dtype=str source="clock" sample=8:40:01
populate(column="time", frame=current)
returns 9:43:03
